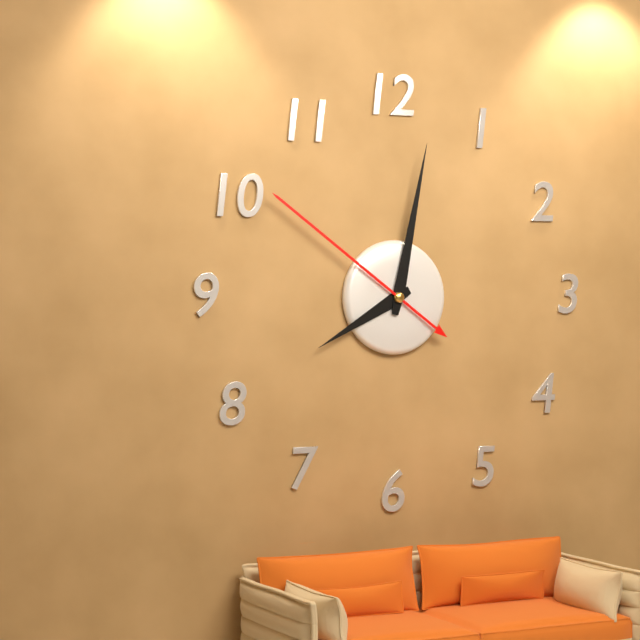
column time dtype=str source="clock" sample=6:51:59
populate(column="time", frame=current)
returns 8:02:51
